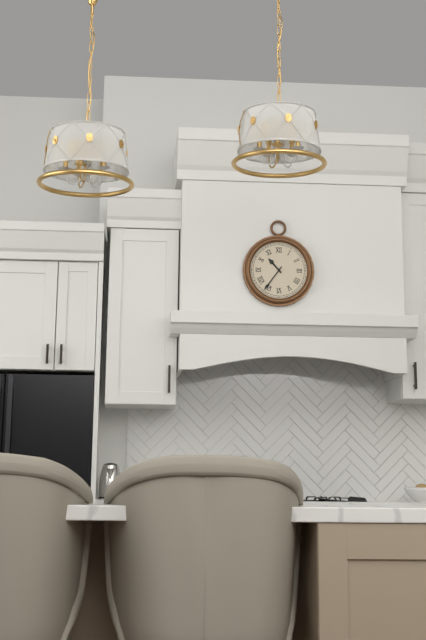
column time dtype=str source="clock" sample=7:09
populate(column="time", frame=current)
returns 10:36
